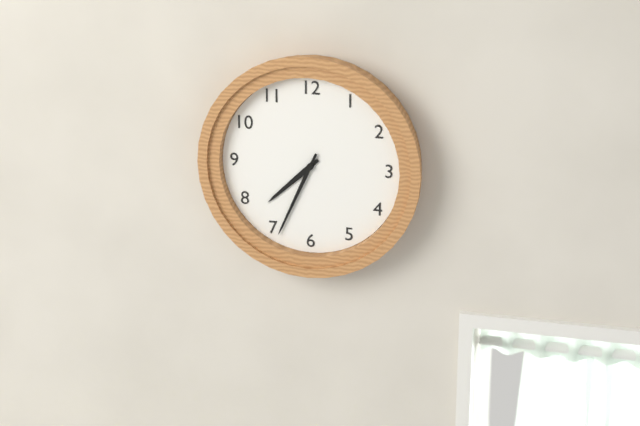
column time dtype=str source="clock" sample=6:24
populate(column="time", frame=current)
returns 7:34
